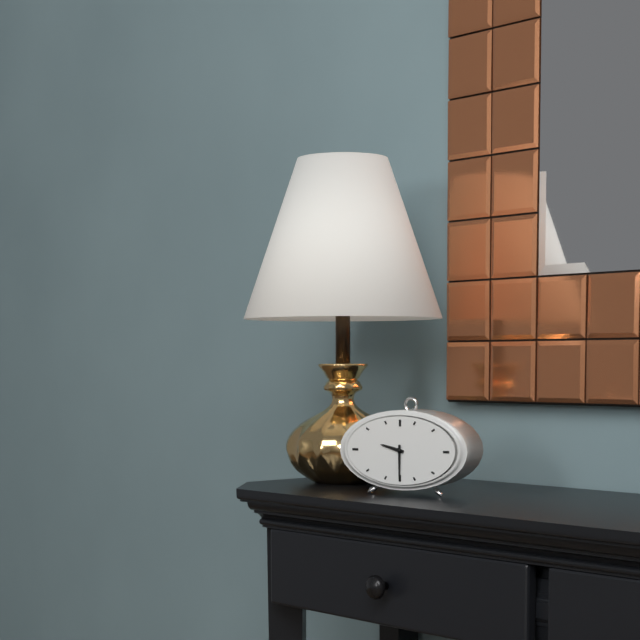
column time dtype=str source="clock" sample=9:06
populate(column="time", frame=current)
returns 9:30
